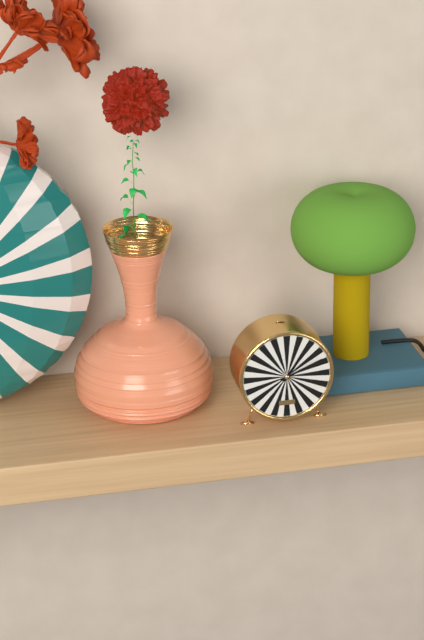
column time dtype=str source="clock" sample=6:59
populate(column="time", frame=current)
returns 1:11
